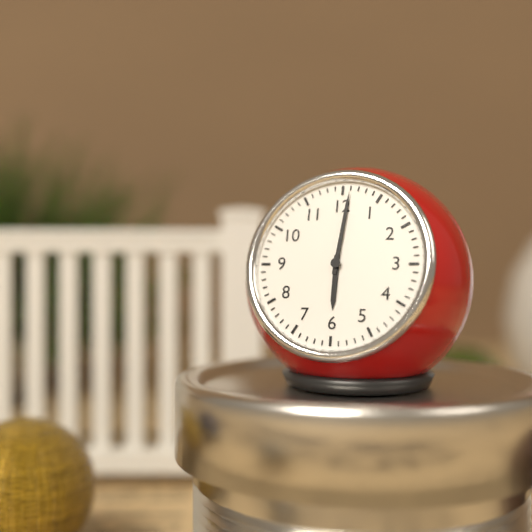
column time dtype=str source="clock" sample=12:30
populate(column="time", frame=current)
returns 6:01
